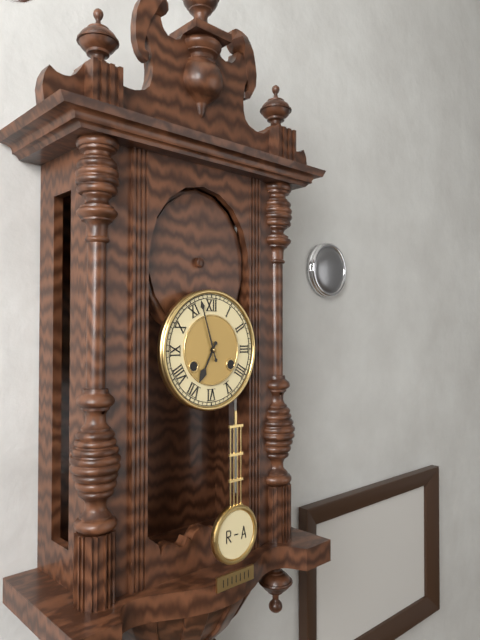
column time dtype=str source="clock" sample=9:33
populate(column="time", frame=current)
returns 6:57
